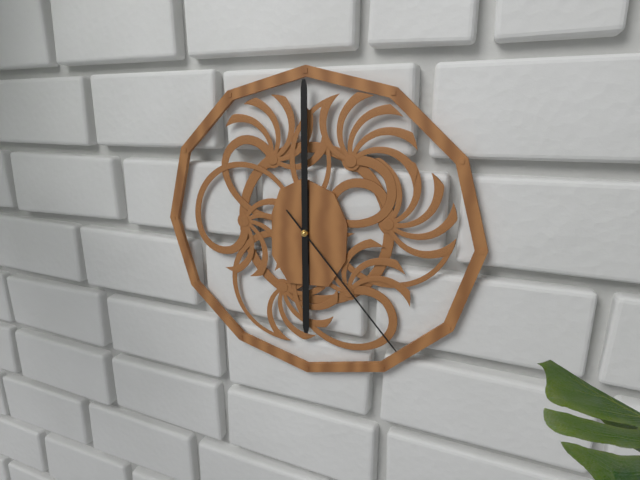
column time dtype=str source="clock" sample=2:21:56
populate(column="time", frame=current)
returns 6:00:23
